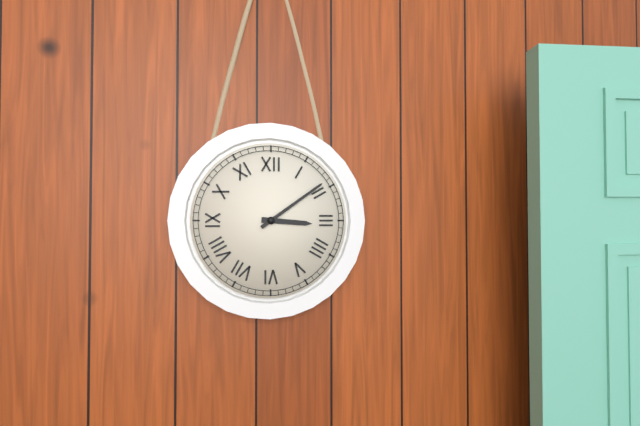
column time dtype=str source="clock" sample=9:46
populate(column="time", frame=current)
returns 3:09
